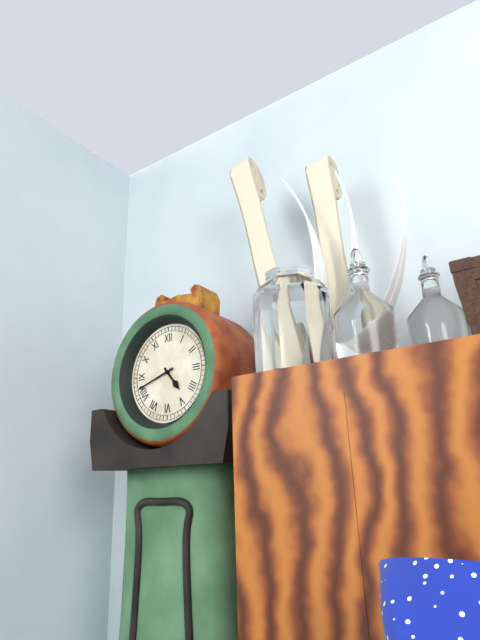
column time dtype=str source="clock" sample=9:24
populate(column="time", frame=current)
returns 4:42
